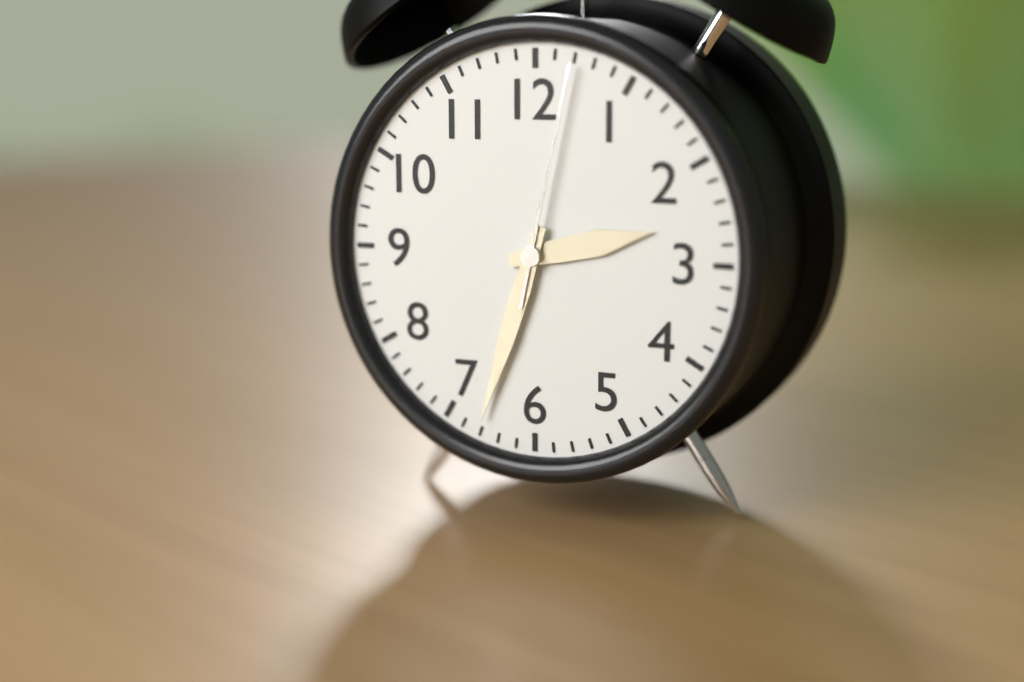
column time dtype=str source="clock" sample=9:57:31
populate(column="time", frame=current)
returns 2:33:02
